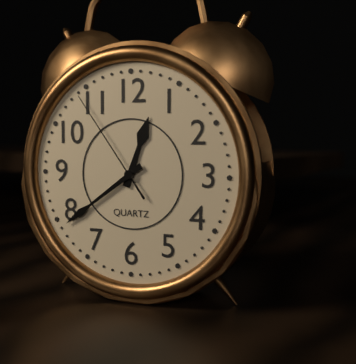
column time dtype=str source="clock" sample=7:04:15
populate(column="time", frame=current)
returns 12:39:54
